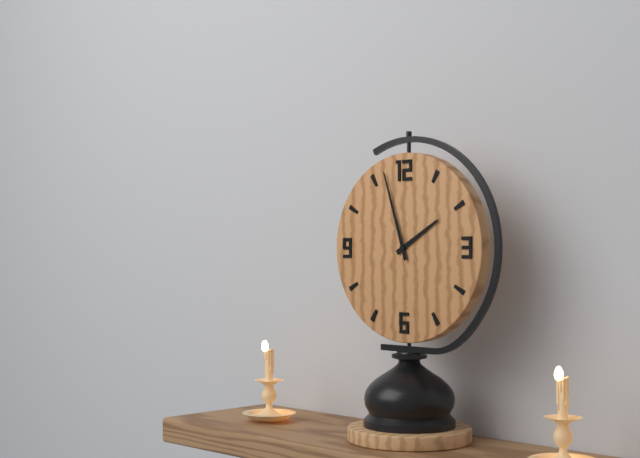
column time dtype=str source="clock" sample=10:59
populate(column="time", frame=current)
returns 1:57
